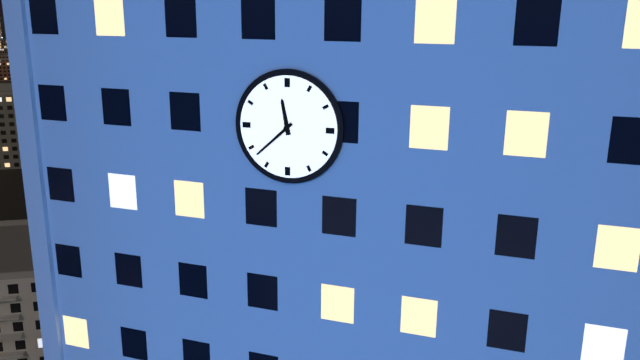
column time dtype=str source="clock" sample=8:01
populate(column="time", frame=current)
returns 11:38
